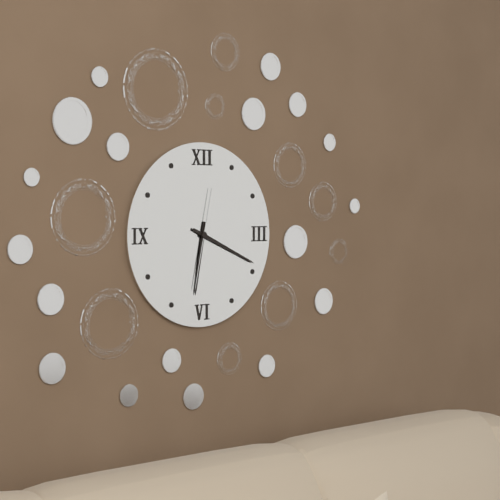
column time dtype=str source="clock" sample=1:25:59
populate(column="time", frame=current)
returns 6:19:32
